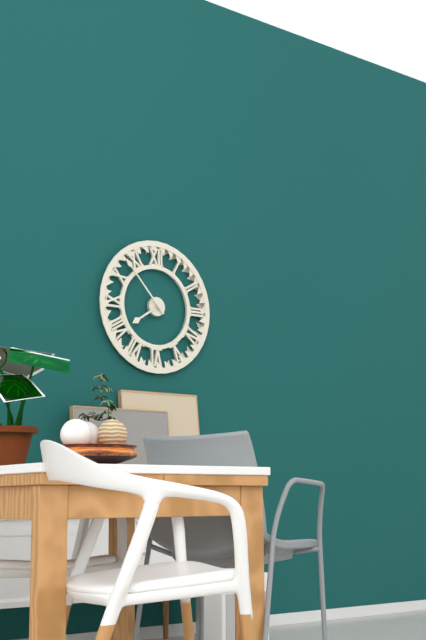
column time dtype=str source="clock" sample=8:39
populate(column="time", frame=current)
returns 7:53
